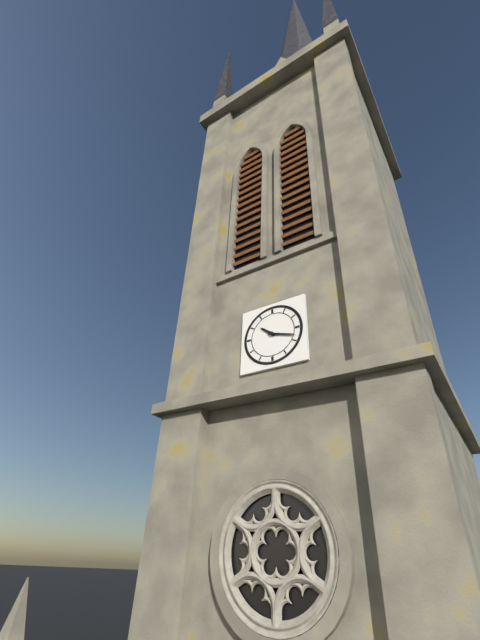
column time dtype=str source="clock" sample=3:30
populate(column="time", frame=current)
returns 10:18
